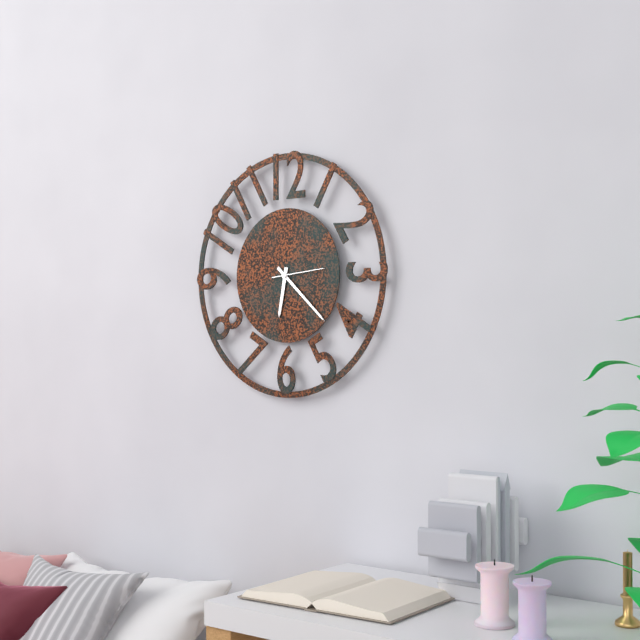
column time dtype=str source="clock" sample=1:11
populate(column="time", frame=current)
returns 6:22
